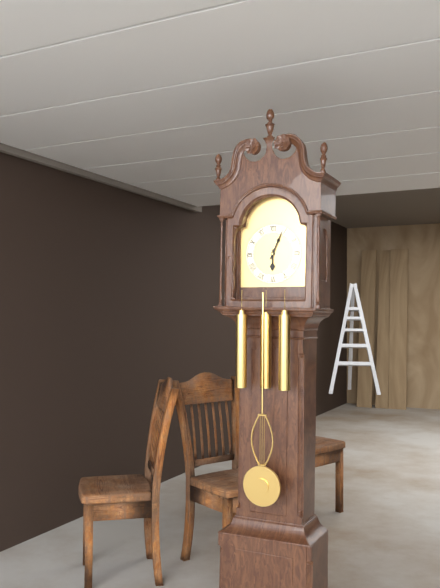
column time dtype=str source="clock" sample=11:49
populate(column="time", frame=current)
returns 6:04
